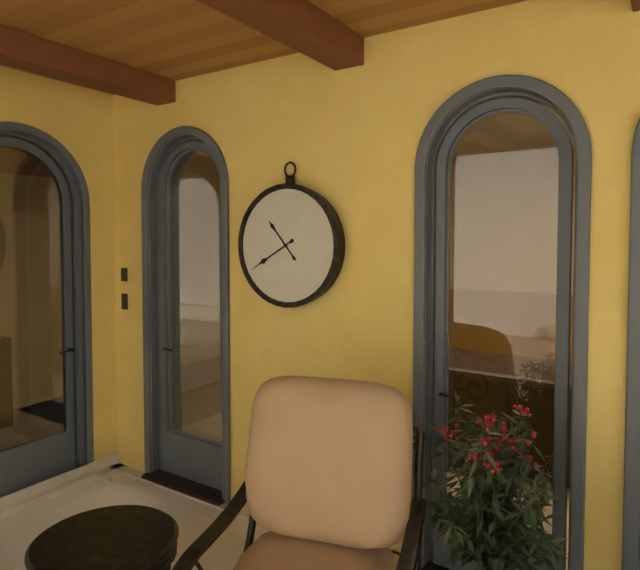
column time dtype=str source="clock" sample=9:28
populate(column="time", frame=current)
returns 10:40
